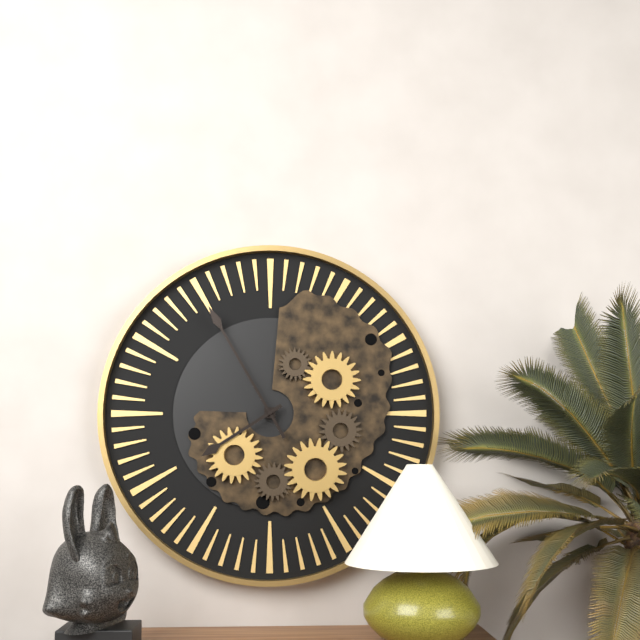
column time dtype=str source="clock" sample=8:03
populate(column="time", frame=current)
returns 7:55
